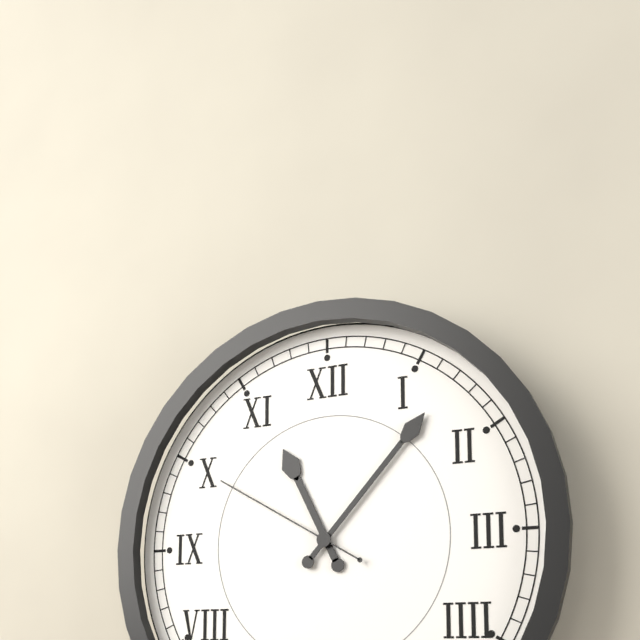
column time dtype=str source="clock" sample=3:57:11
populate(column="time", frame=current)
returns 11:07:50
